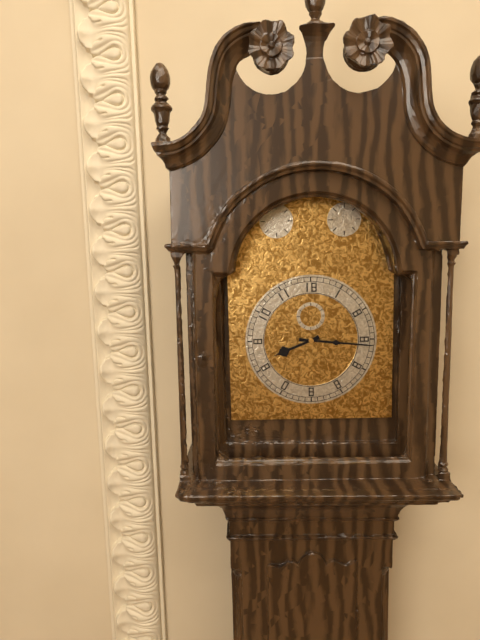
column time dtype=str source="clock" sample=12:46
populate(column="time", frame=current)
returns 8:16
